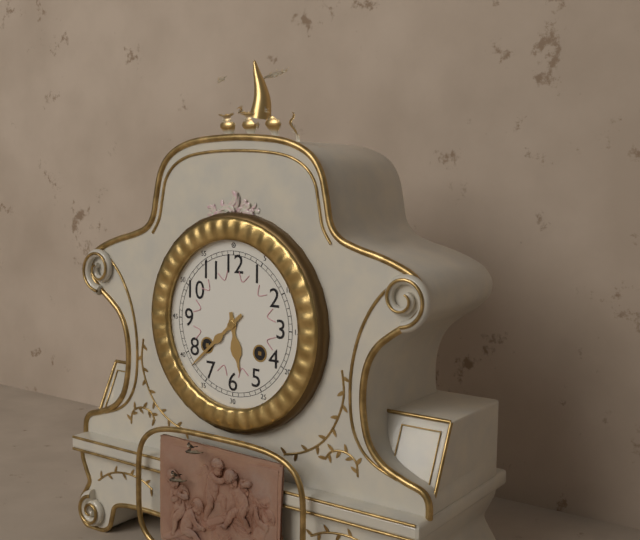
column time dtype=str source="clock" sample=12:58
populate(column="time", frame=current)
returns 5:38
